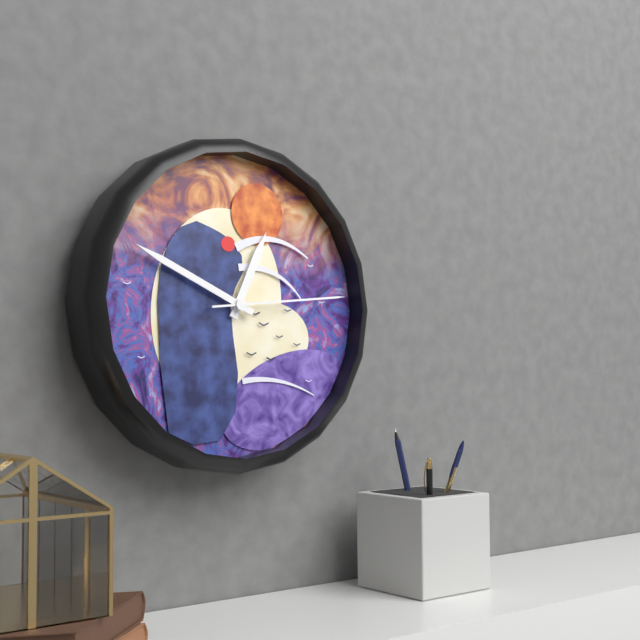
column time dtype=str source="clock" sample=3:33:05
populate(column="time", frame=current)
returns 12:49:14
